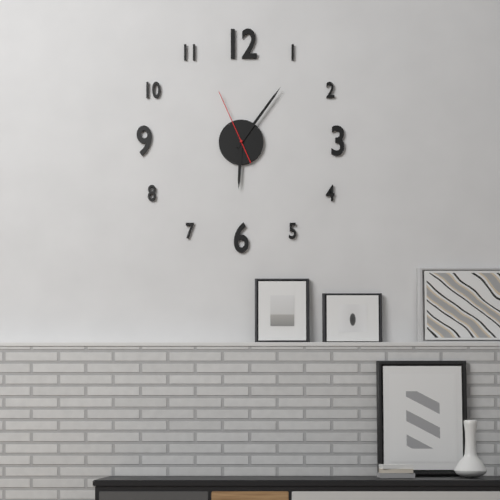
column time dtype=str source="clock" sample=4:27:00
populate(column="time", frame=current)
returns 6:06:56
